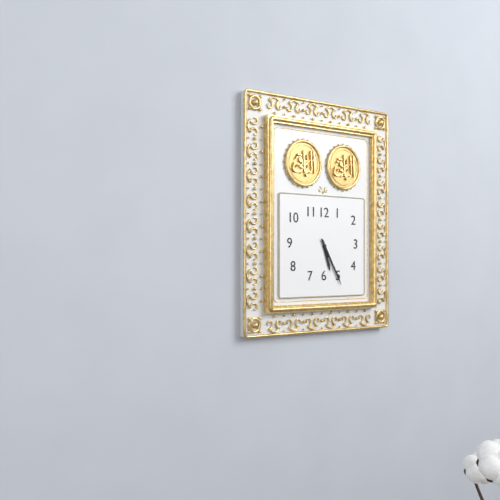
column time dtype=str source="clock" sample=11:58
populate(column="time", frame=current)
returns 5:25
